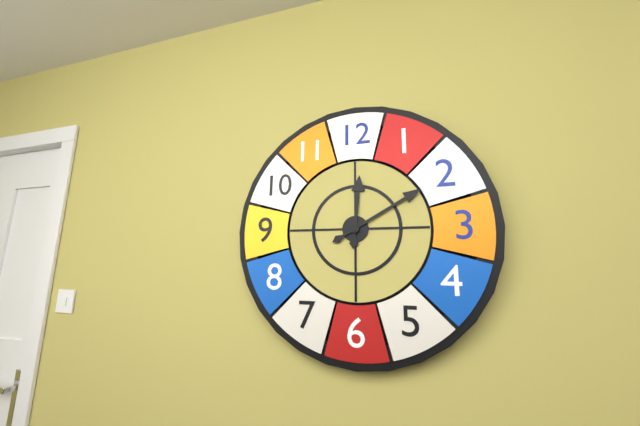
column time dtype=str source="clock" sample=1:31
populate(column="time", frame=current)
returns 12:10
